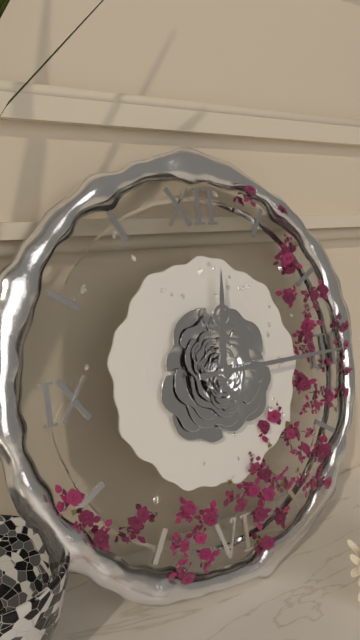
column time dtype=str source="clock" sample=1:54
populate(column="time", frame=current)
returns 12:15
